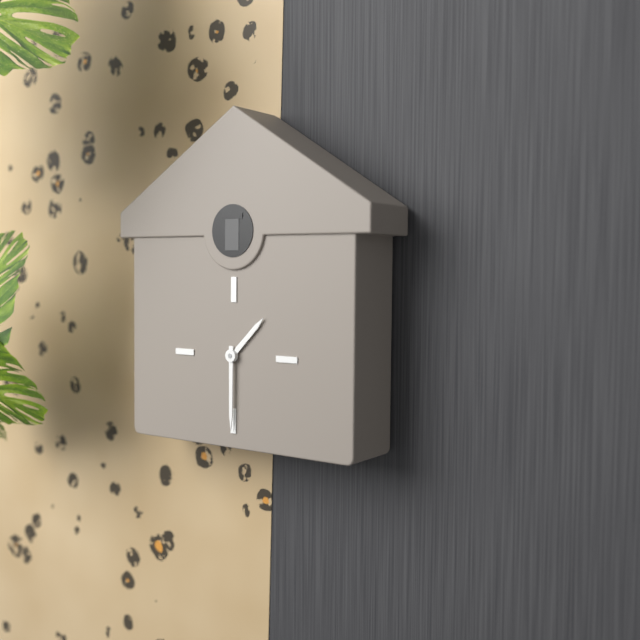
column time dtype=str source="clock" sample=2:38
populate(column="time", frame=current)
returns 1:30
